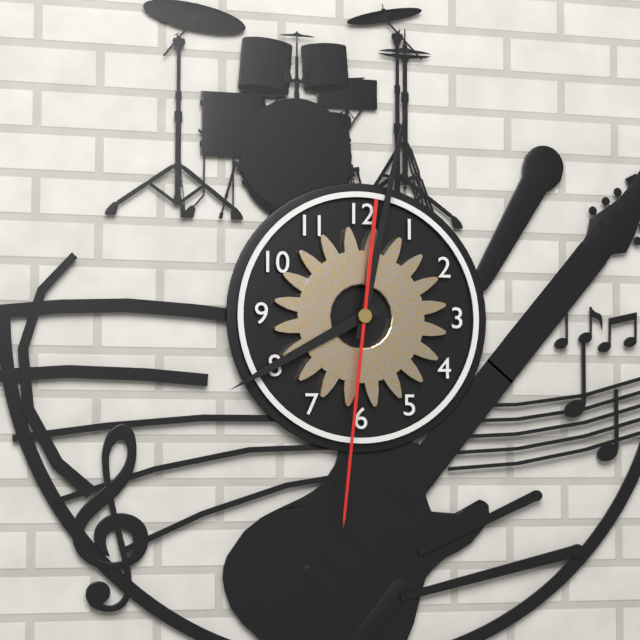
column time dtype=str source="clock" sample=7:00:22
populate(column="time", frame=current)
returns 8:02:31
